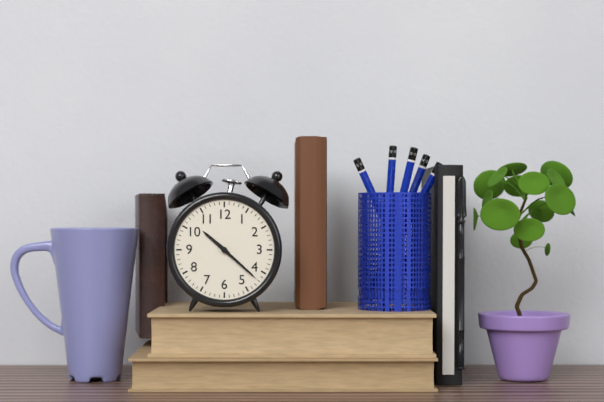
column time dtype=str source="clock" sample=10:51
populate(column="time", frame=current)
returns 10:22
